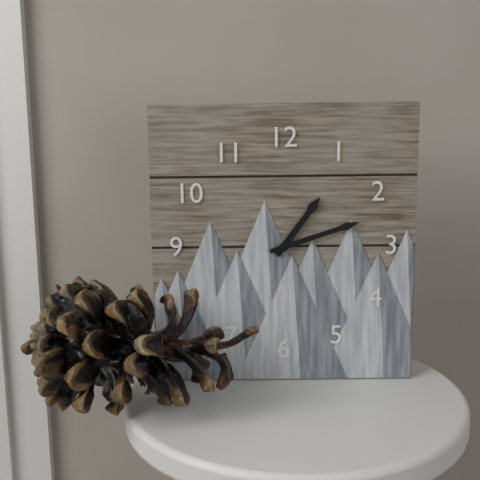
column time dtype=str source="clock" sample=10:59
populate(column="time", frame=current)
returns 1:12
